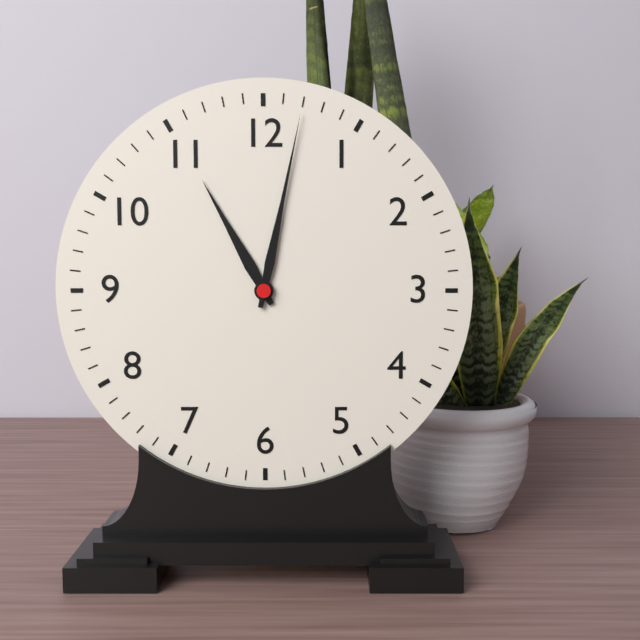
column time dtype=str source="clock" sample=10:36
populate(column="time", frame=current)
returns 11:02
